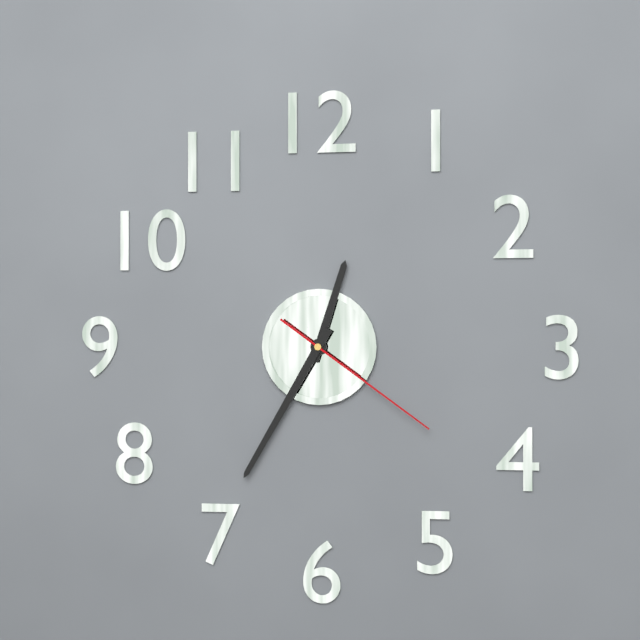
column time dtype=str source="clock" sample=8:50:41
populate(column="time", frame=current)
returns 12:35:21
